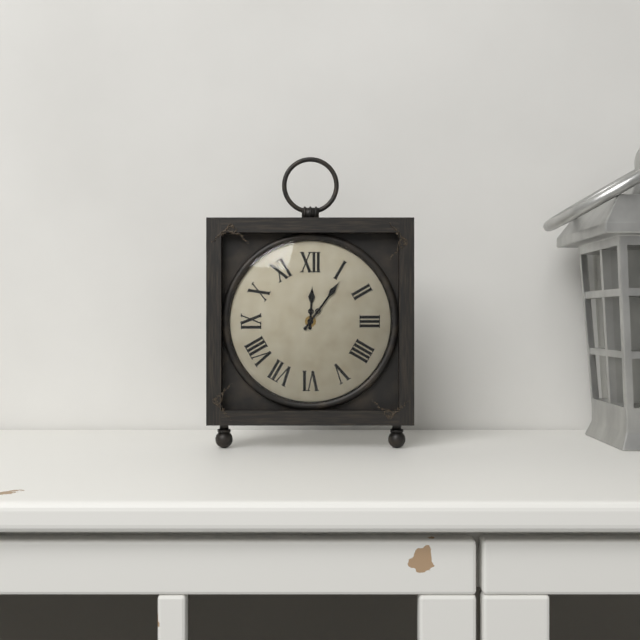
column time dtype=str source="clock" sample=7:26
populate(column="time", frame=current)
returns 12:06
